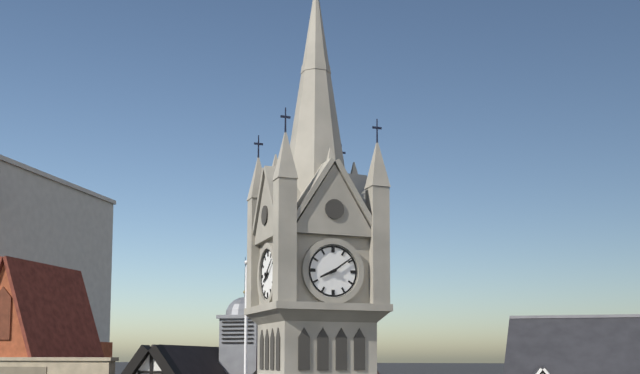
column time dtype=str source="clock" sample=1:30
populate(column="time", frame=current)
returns 8:09
